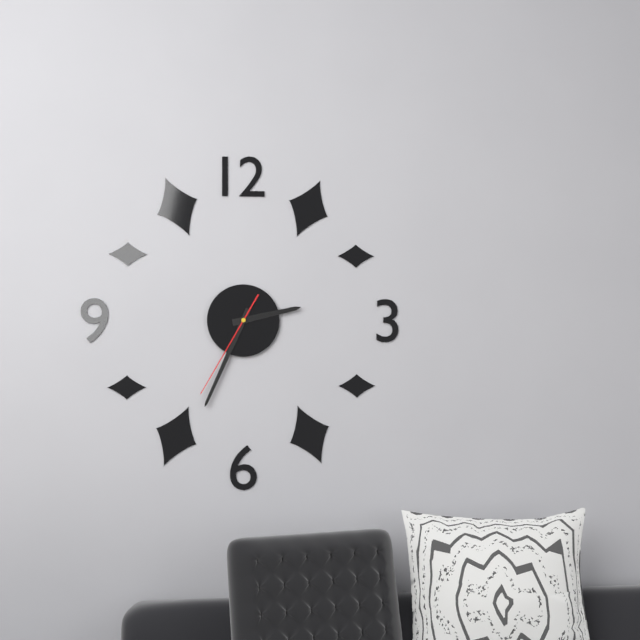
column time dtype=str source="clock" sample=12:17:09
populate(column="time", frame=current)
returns 2:34:35
